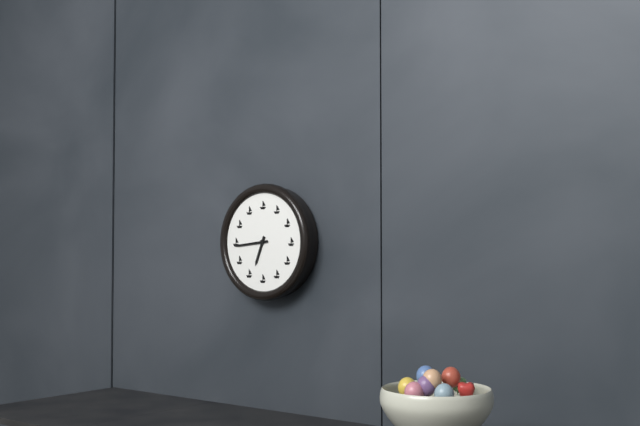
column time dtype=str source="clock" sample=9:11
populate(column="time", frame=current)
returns 6:44
